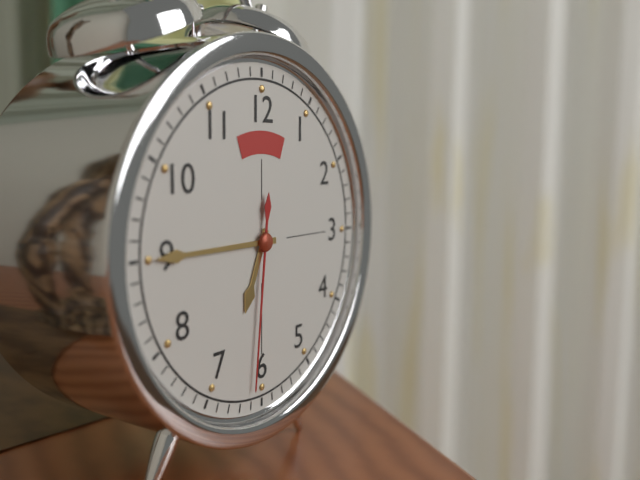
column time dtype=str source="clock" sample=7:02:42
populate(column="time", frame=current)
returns 6:45:31
